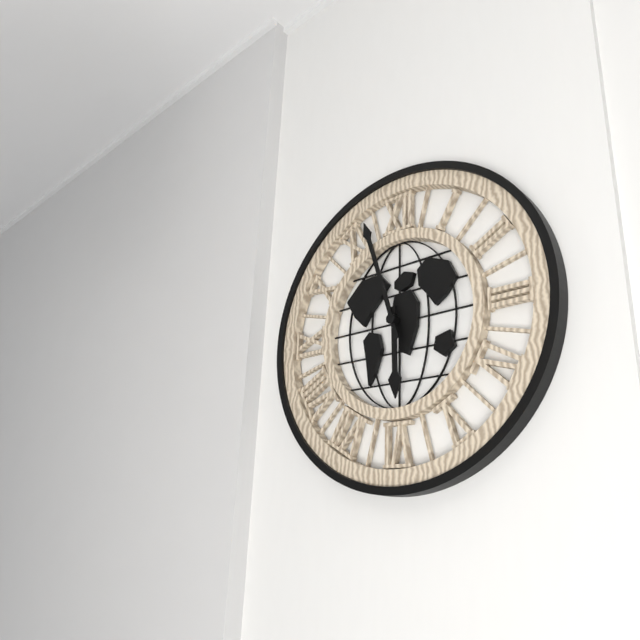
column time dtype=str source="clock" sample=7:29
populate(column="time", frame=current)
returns 5:57
